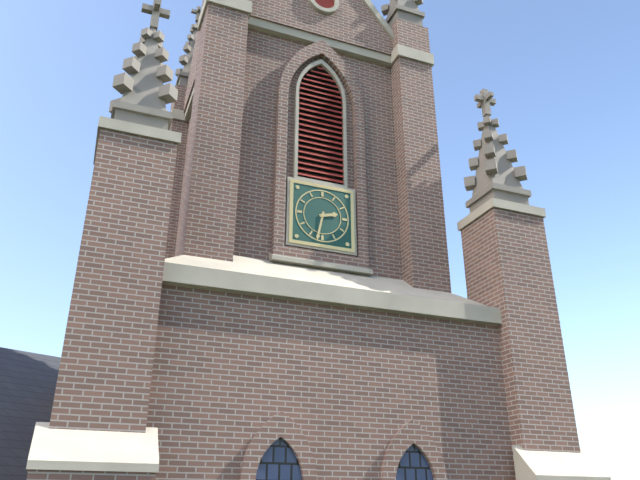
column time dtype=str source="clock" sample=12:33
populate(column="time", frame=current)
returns 2:32
